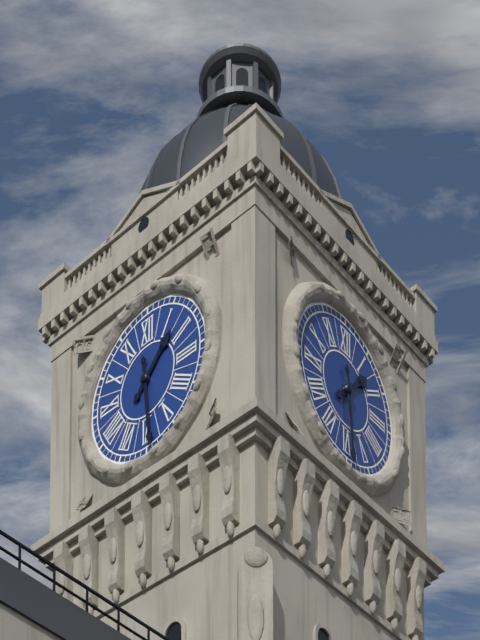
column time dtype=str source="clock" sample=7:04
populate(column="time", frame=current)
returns 1:29
